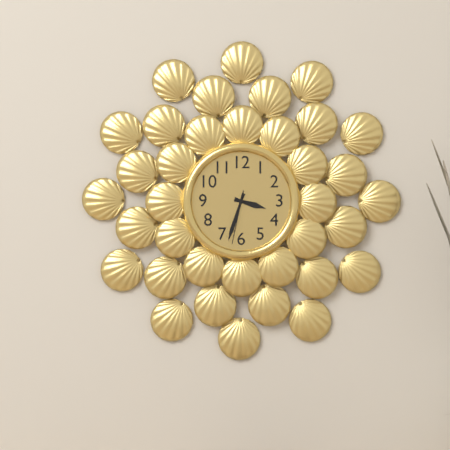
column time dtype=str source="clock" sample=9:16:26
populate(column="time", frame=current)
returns 3:33:32
